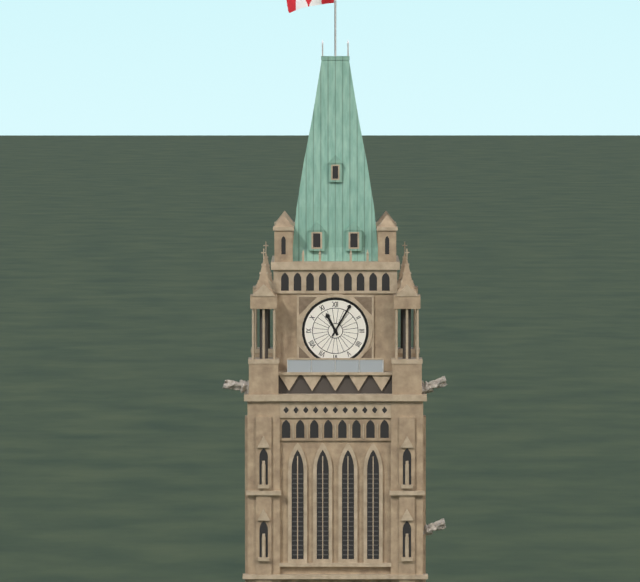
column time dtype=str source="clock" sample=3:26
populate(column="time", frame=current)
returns 11:05
